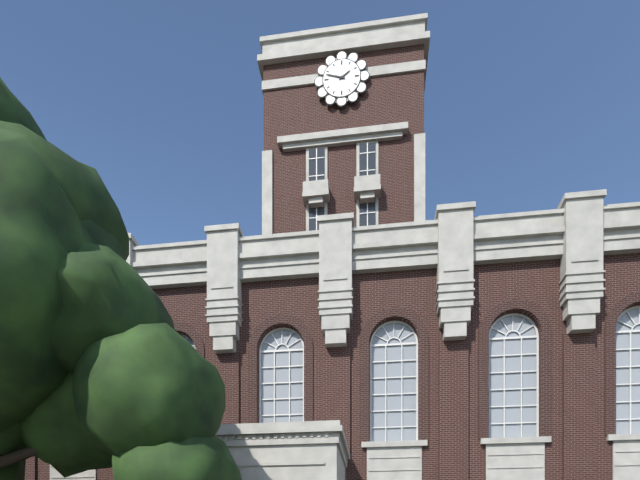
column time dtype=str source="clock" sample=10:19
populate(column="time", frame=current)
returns 1:48
